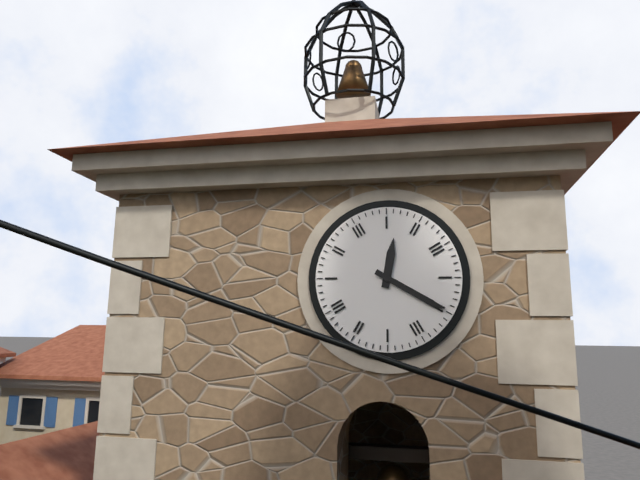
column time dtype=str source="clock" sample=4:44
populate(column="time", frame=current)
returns 12:20
